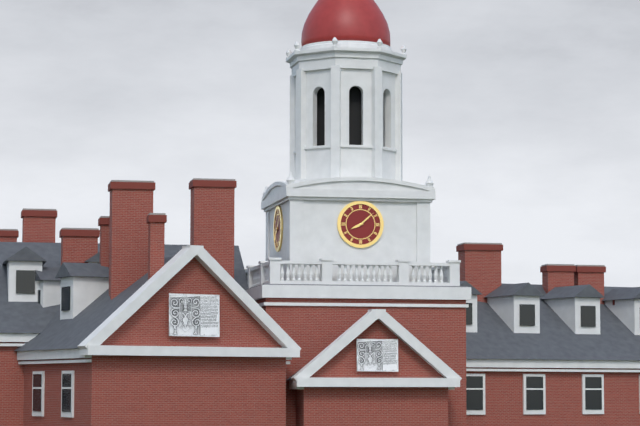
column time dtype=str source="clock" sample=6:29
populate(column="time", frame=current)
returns 8:08
